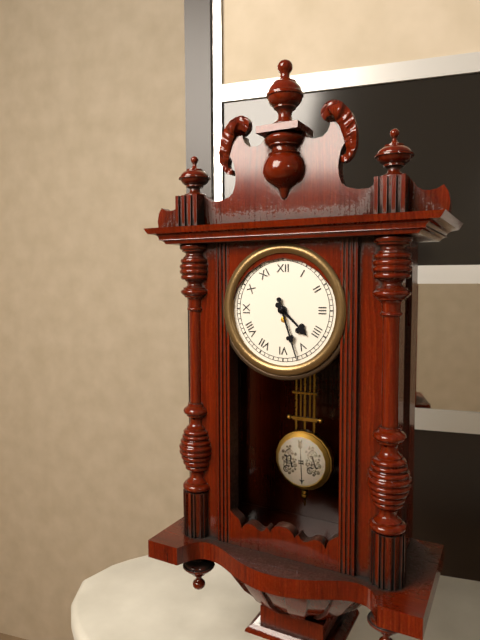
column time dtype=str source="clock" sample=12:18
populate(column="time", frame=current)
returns 4:27
